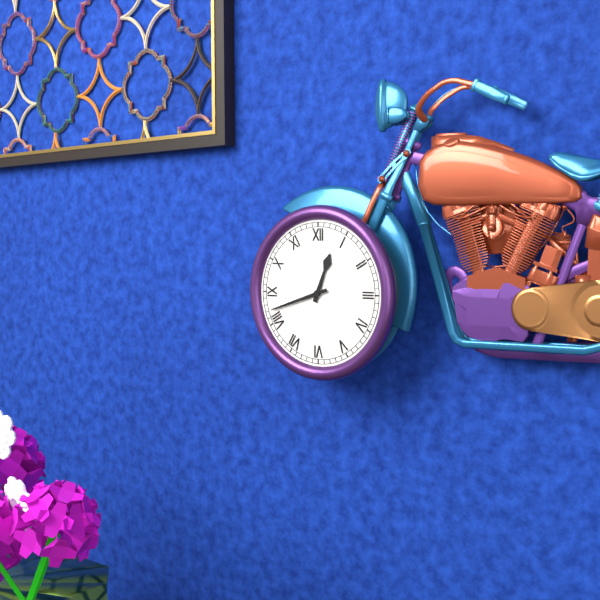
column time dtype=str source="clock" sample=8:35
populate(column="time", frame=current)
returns 12:42
